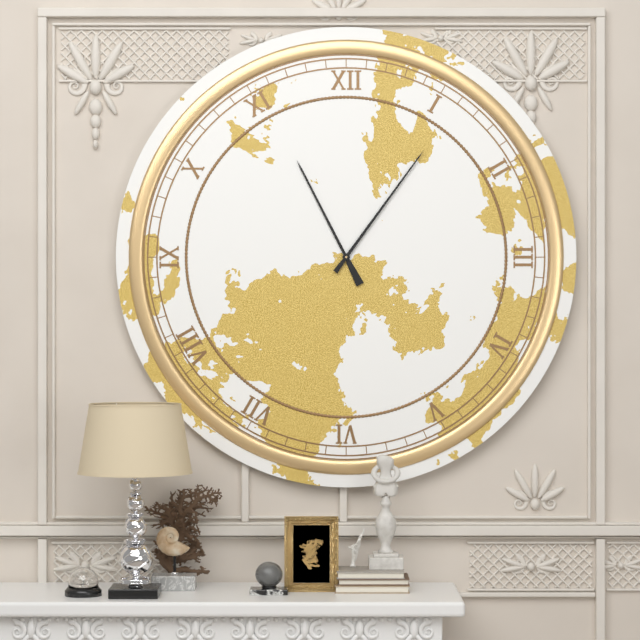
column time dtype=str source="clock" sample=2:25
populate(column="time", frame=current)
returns 11:06
